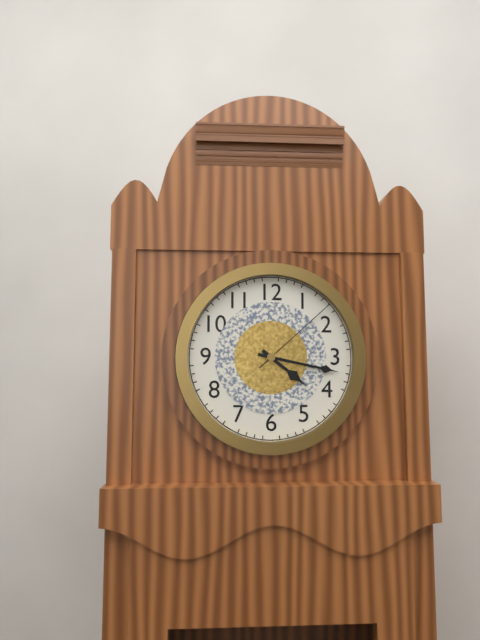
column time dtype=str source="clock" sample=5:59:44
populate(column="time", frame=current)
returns 4:17:08
